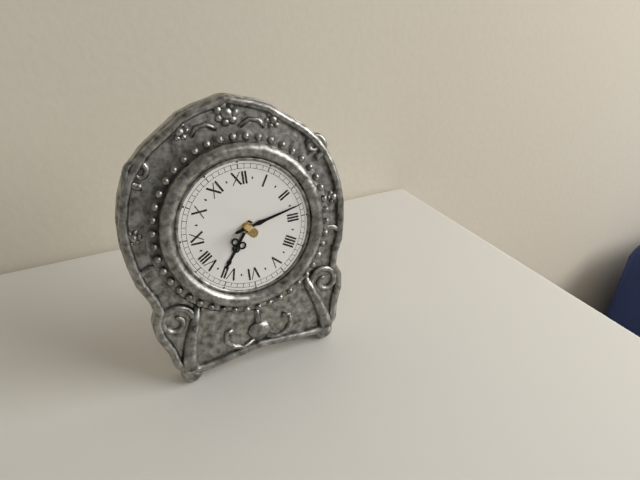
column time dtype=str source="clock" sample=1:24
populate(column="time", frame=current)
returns 7:13
